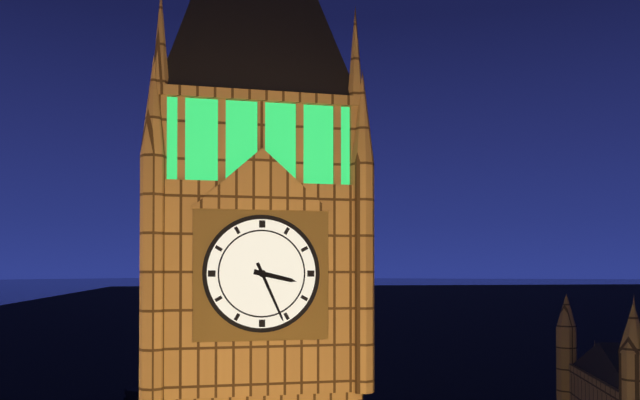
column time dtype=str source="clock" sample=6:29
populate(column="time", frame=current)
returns 3:26
